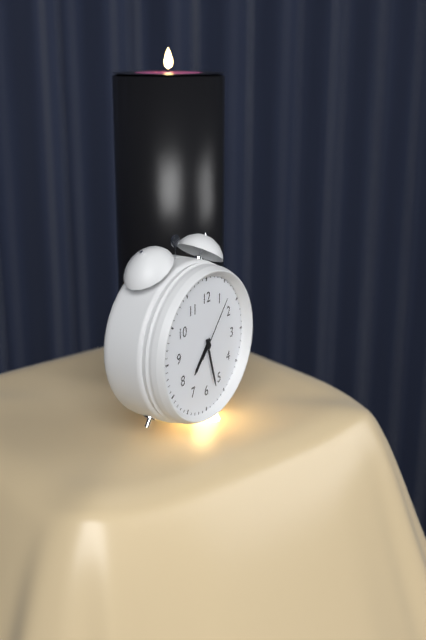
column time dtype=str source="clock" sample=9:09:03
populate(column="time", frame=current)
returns 7:27:07
